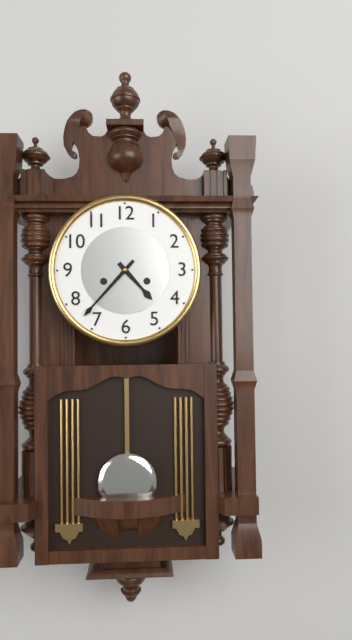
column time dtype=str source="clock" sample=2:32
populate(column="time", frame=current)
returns 4:37
